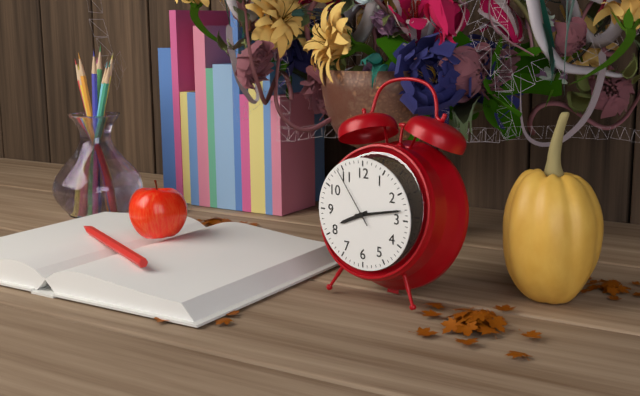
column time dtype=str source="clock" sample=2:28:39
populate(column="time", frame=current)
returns 8:13:54
